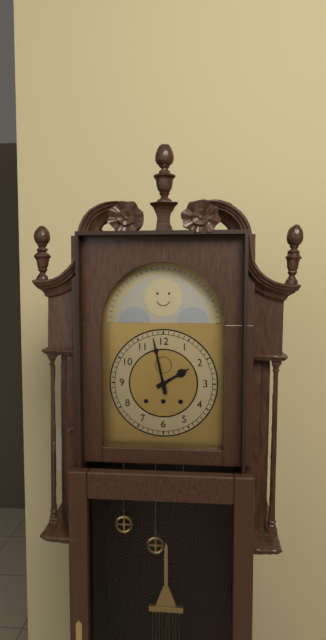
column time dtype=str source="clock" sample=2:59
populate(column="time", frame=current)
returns 1:58
